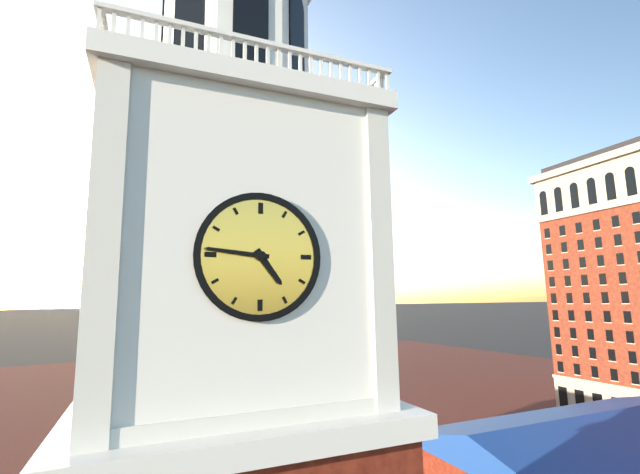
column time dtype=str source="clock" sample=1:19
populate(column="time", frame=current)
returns 4:46
